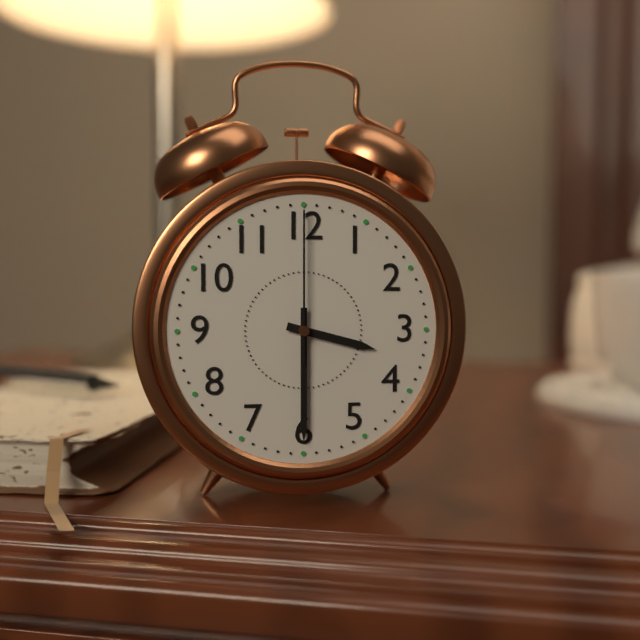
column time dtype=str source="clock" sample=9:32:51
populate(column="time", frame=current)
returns 3:30:00
